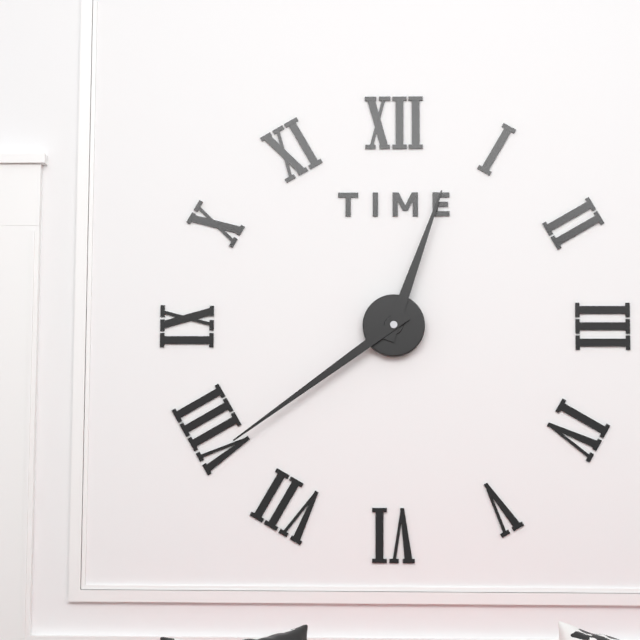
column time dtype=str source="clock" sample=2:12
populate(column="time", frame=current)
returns 12:39
